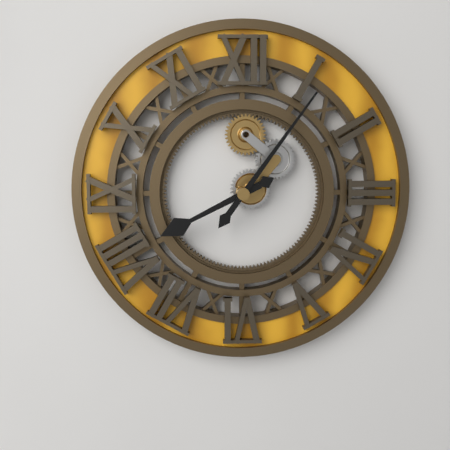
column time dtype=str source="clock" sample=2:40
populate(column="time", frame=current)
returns 8:06
